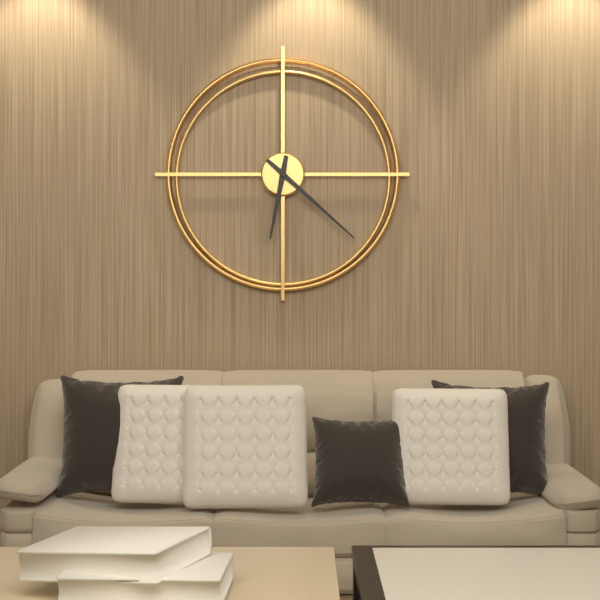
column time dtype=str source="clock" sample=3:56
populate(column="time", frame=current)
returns 6:22
